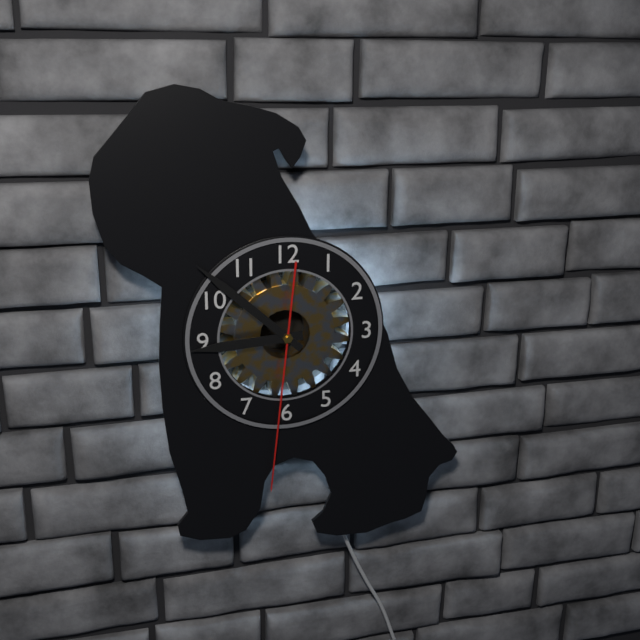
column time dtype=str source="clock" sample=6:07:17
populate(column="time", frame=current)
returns 8:52:31
